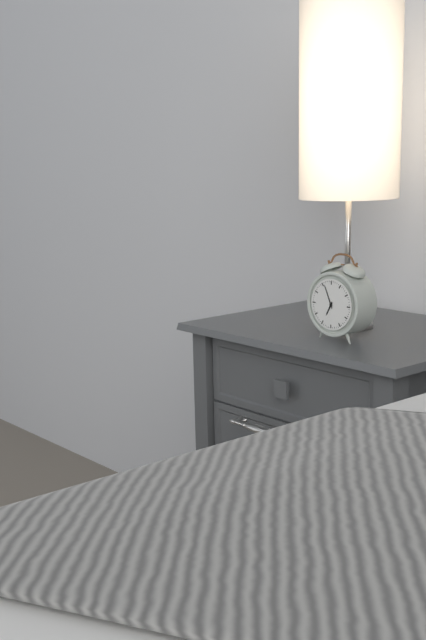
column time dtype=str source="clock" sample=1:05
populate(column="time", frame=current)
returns 6:56
